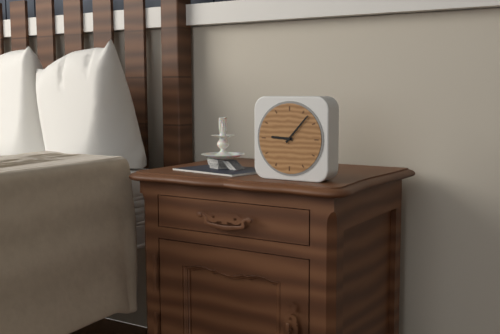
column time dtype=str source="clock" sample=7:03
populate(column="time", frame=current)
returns 9:07
